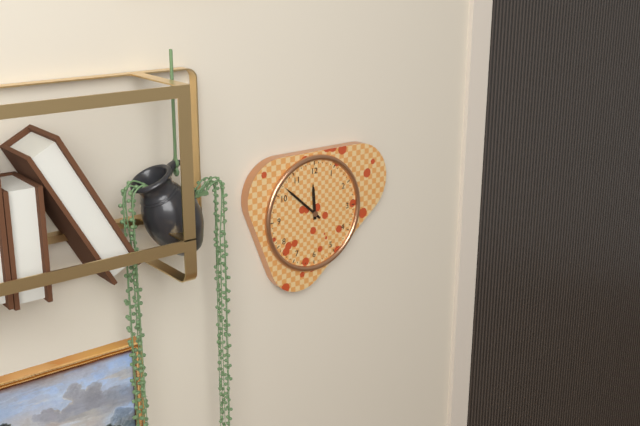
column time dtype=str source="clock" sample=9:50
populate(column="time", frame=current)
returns 11:52
